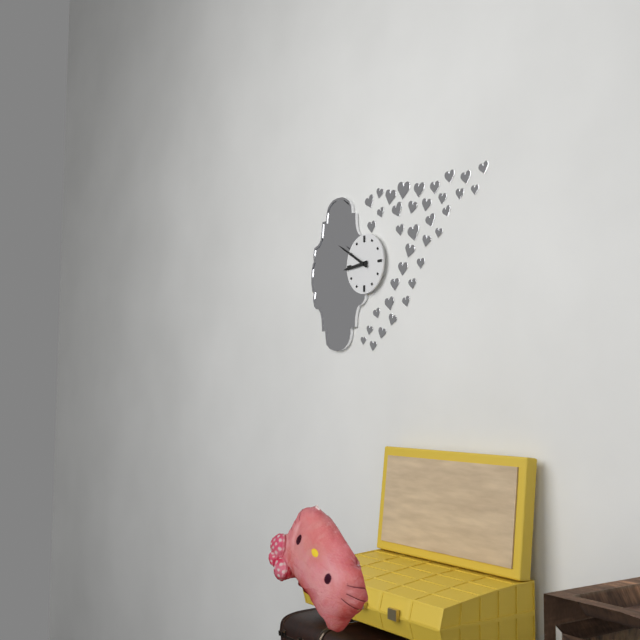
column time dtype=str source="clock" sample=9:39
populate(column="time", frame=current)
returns 8:50
